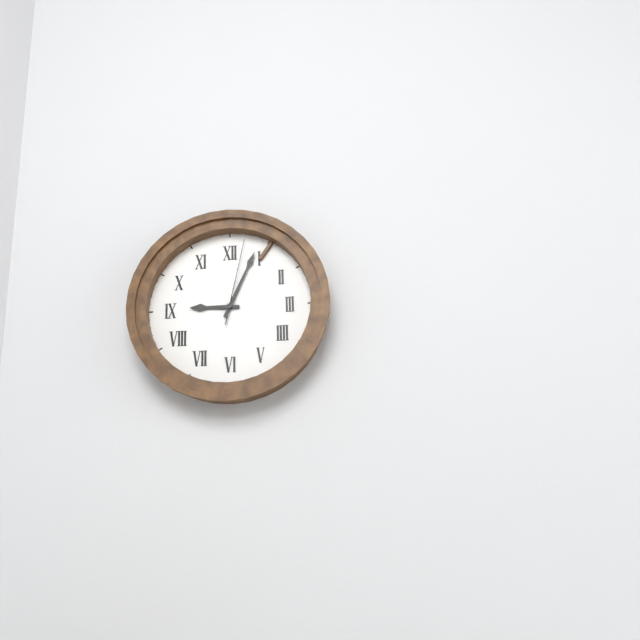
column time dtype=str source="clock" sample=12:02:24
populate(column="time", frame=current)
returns 9:04:02
